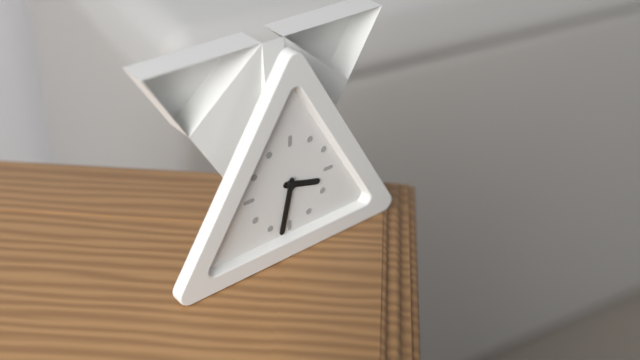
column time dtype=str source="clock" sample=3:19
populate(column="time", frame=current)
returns 3:32
